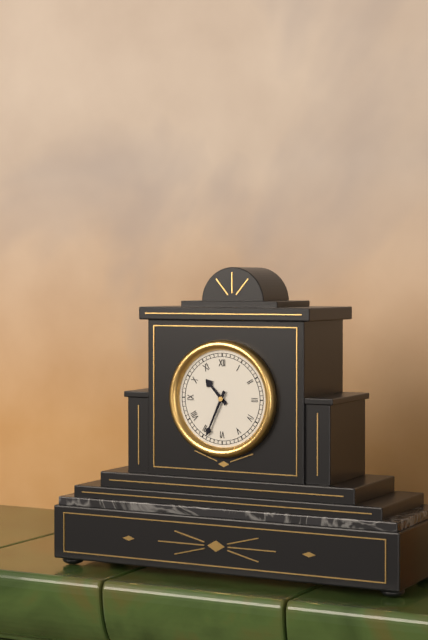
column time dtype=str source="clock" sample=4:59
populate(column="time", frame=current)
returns 10:34
